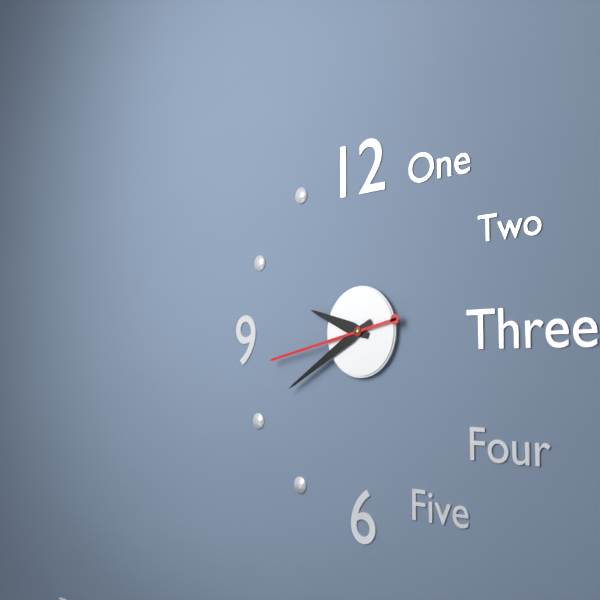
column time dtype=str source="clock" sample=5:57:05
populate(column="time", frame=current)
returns 9:40:43
